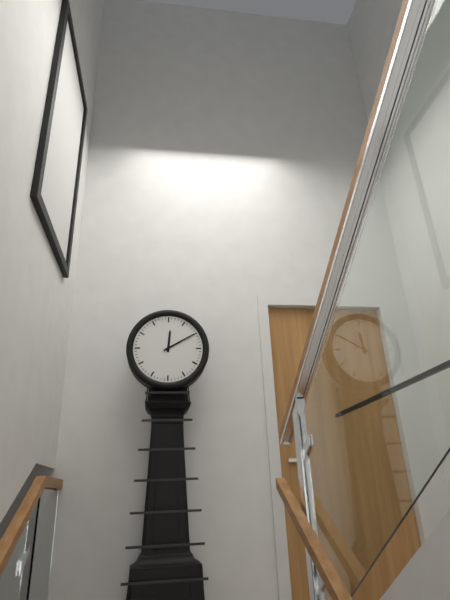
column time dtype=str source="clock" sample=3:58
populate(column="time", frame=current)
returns 12:10
